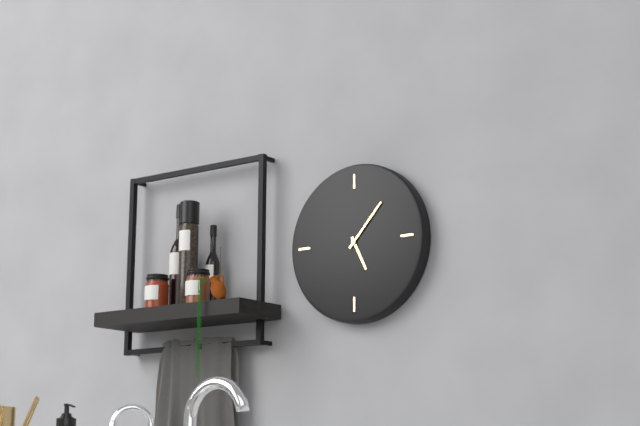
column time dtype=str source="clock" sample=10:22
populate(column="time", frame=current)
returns 5:07
